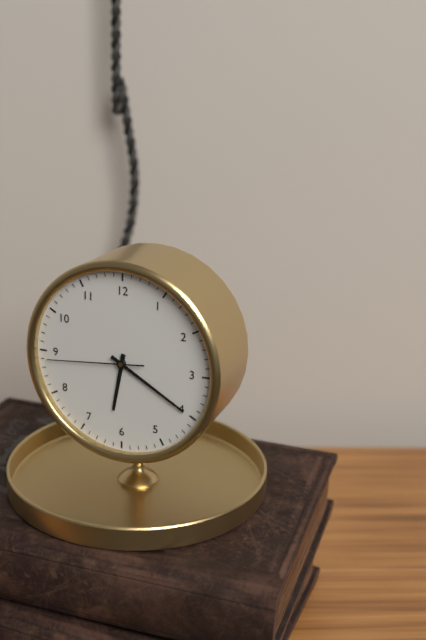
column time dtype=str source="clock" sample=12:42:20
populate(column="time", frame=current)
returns 6:20:44
